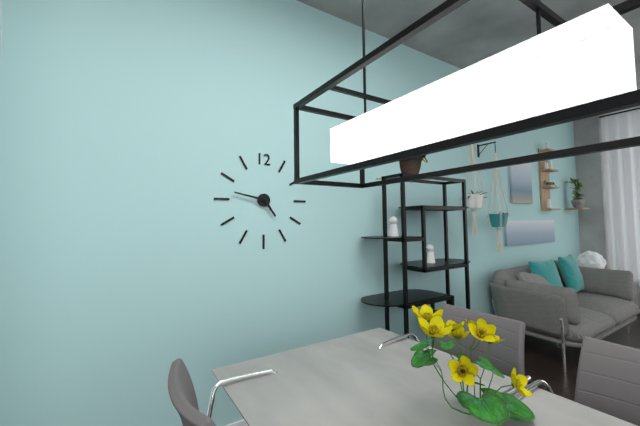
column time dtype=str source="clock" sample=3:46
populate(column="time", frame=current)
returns 4:47
